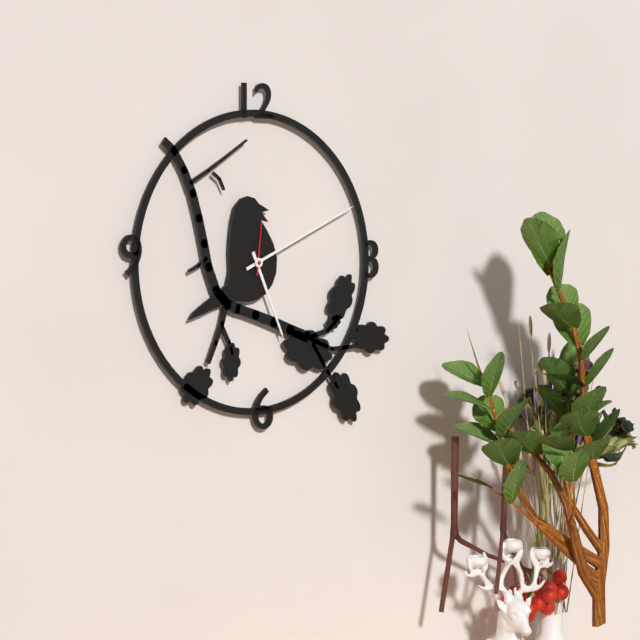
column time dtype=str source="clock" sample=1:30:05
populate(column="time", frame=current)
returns 5:11:01
